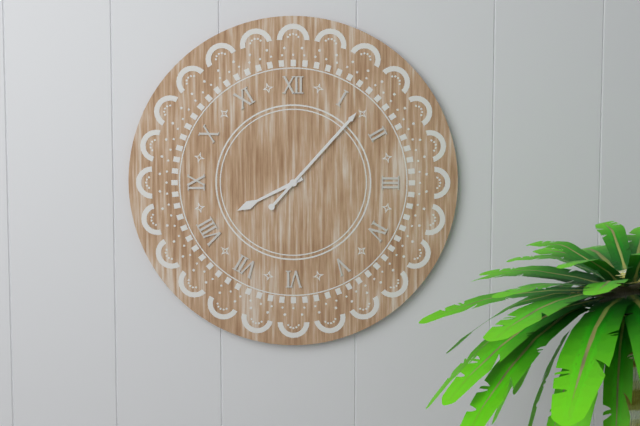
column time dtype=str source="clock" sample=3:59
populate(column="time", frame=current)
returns 8:07
